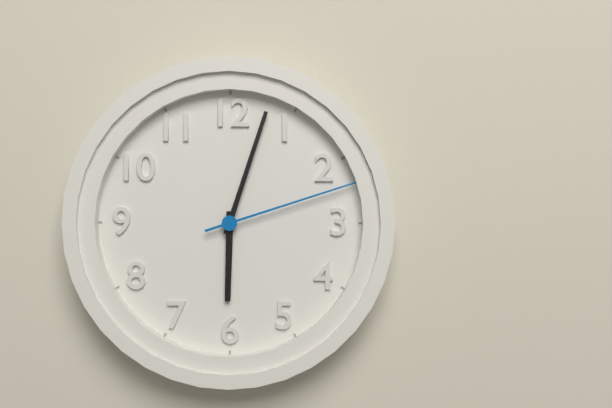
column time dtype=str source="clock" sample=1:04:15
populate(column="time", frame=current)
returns 6:03:12
